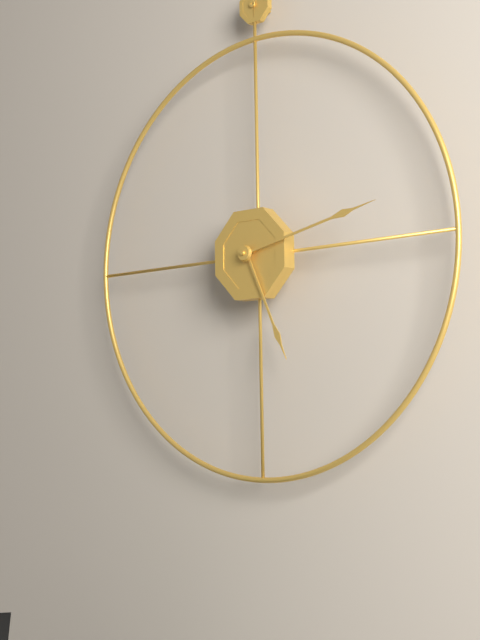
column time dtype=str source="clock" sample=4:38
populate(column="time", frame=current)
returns 5:13
